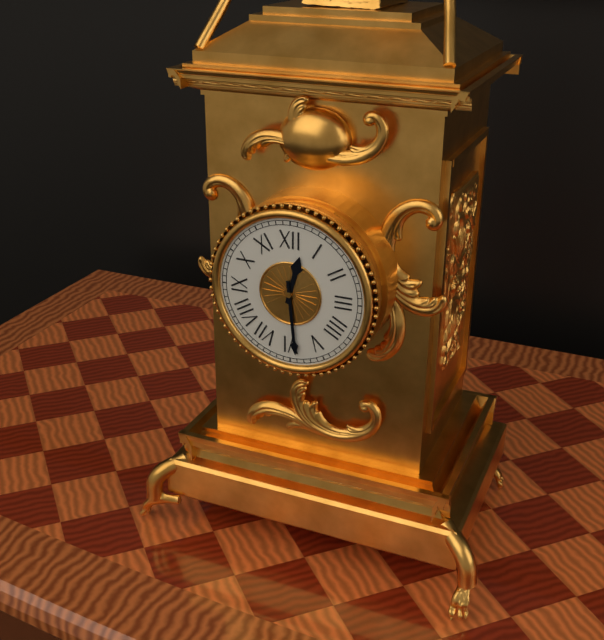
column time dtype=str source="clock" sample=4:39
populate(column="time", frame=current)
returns 12:29
